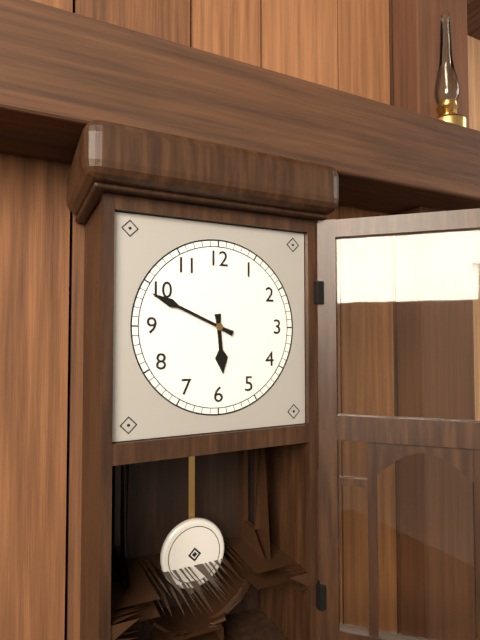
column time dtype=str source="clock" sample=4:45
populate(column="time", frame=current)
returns 5:49
